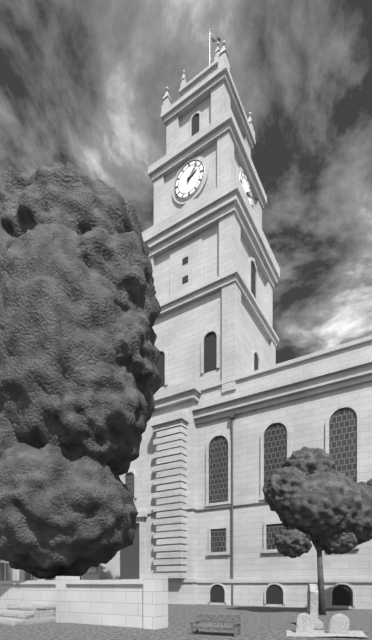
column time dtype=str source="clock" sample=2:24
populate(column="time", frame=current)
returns 2:07
